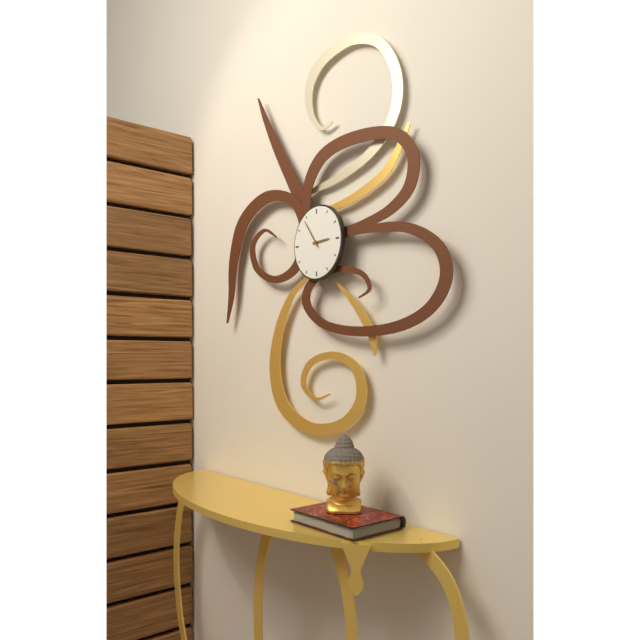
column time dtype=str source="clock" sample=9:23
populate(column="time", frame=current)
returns 2:54
